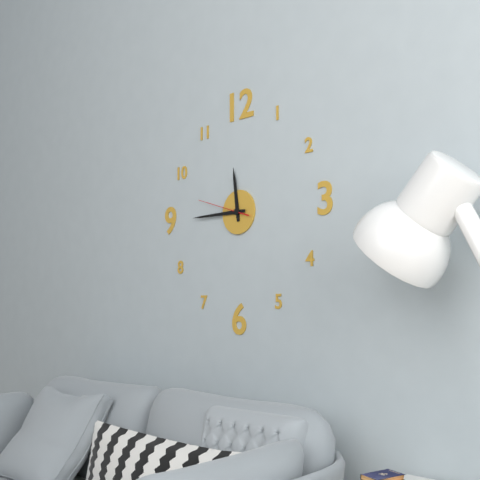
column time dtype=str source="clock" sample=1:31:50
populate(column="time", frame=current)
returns 11:45:48
